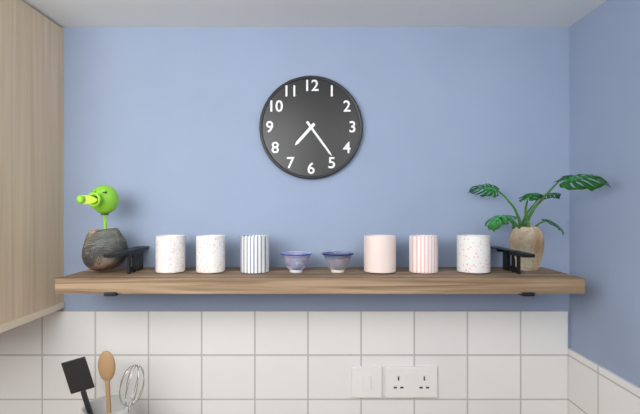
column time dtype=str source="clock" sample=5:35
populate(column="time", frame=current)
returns 7:24
